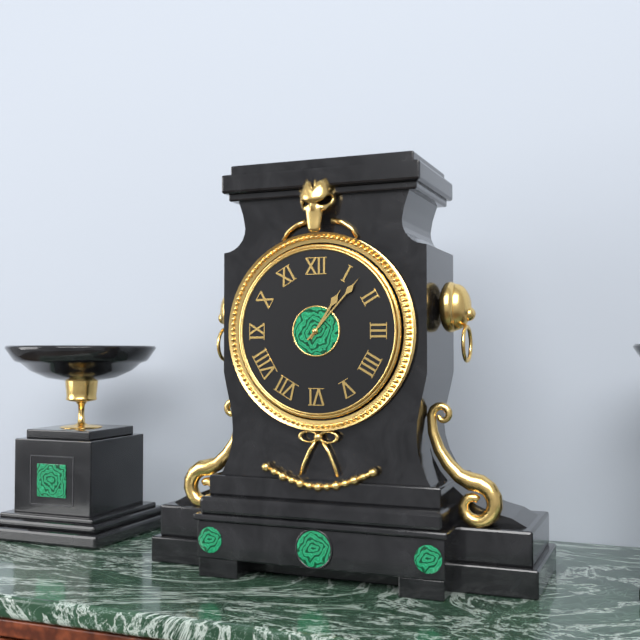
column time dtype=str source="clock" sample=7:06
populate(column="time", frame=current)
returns 1:07
